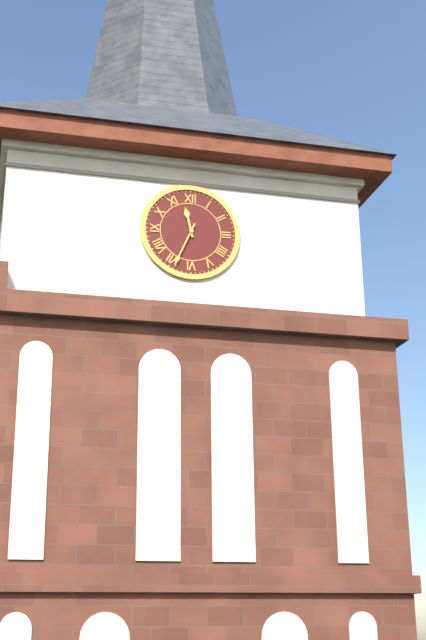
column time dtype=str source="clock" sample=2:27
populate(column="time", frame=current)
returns 11:34
